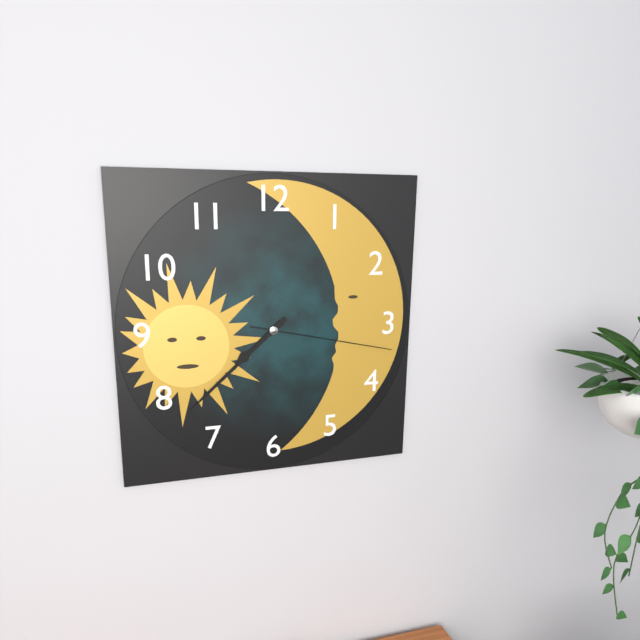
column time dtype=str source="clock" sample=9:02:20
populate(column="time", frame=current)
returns 7:38:17
